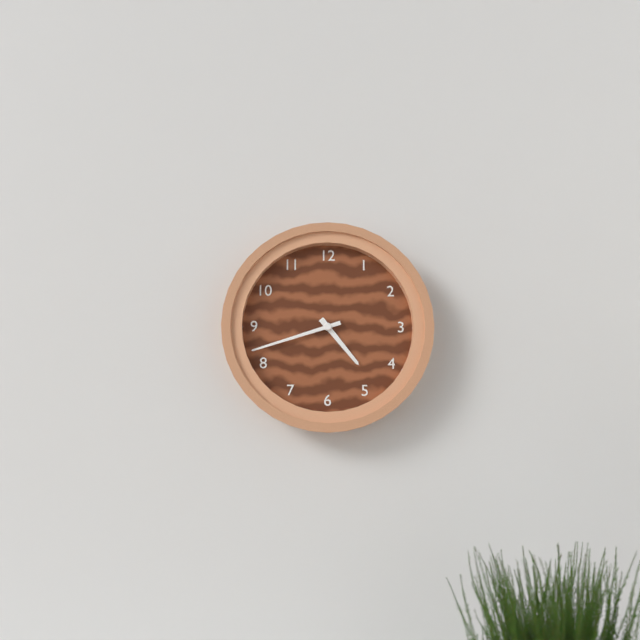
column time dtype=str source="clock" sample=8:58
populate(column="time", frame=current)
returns 4:42
